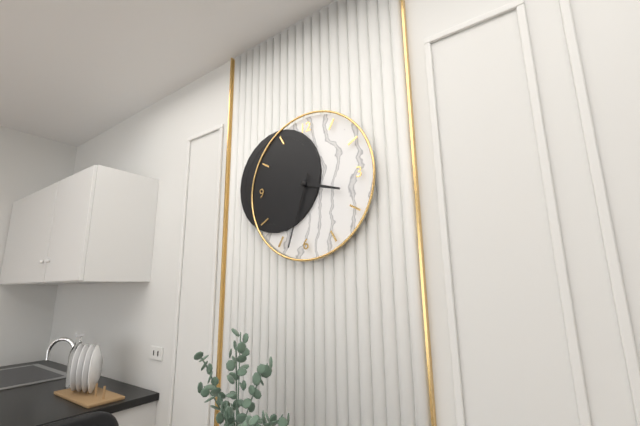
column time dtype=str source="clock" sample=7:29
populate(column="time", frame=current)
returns 3:33
